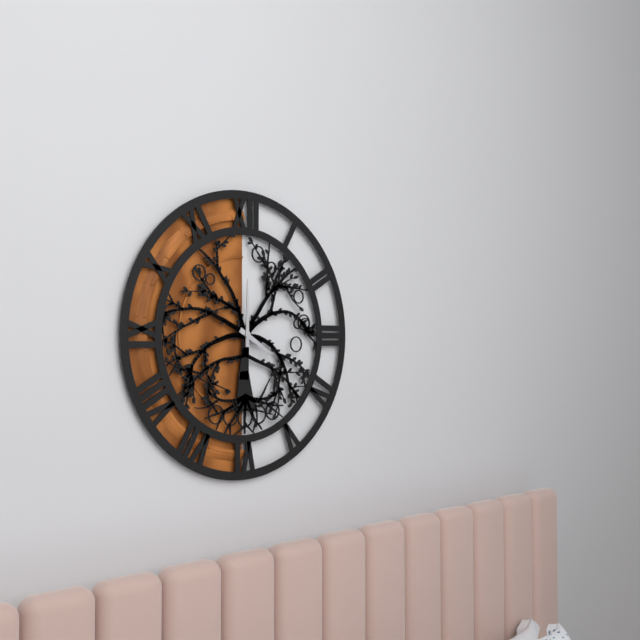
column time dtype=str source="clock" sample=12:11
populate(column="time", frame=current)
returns 4:00
